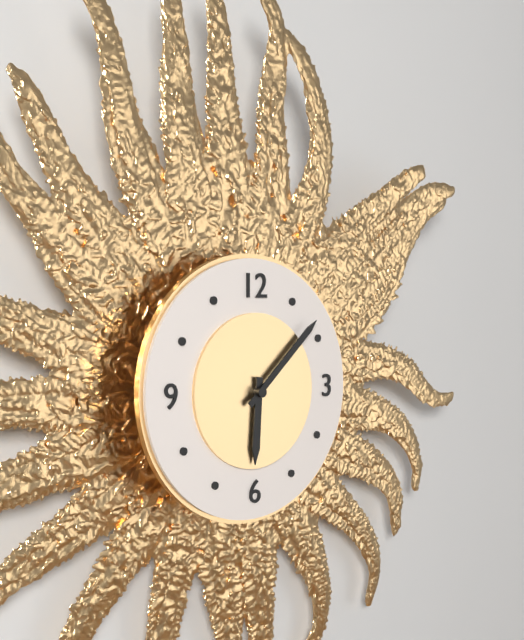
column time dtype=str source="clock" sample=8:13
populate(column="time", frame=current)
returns 6:08
